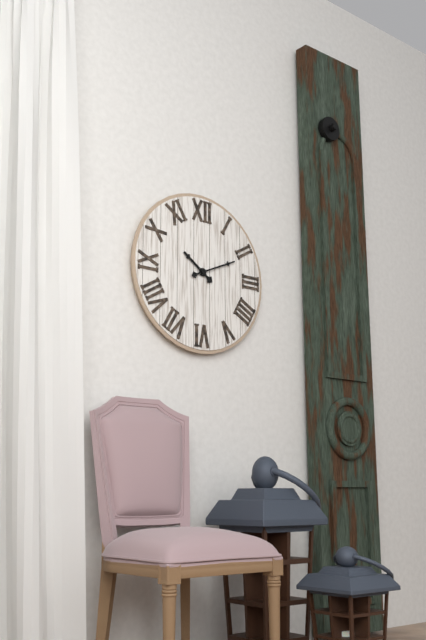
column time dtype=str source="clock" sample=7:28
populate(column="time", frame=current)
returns 10:11
